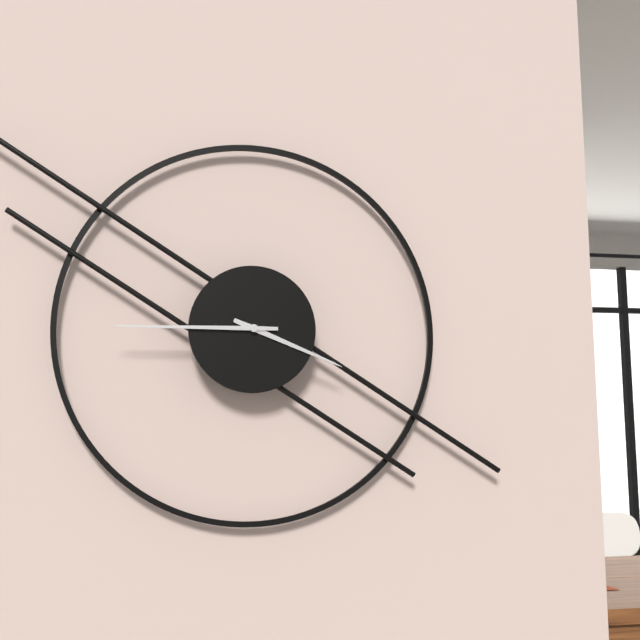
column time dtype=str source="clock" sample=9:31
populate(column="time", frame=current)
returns 3:45
